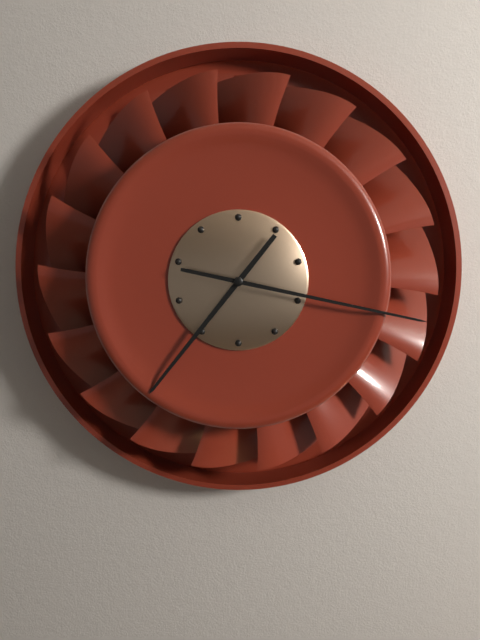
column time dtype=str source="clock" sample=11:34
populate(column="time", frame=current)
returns 7:17
